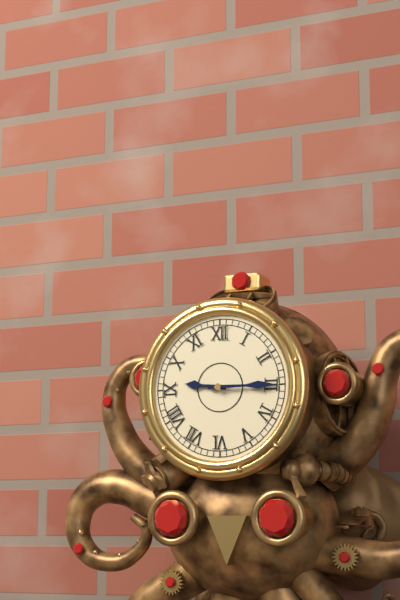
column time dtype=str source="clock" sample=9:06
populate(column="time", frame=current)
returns 9:15
